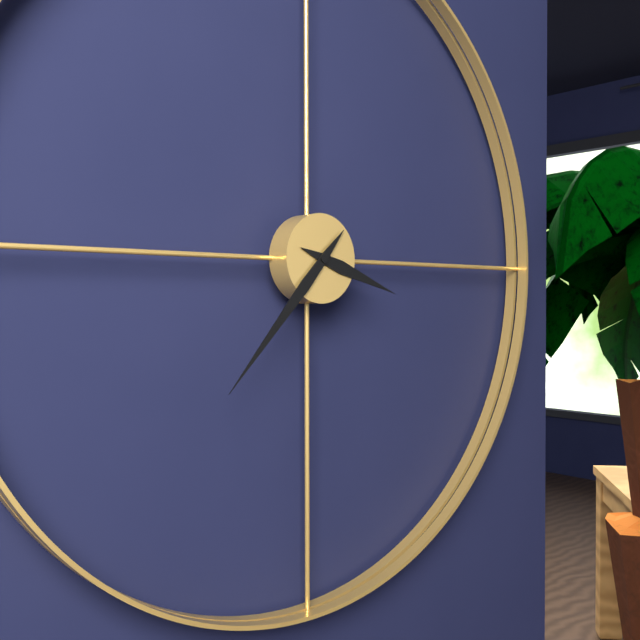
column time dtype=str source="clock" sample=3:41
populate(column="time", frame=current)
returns 3:37
